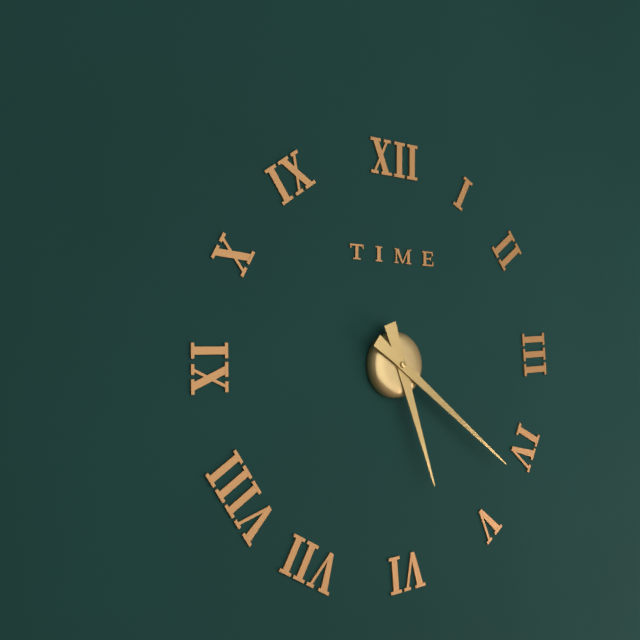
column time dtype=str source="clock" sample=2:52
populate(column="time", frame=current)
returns 5:21
